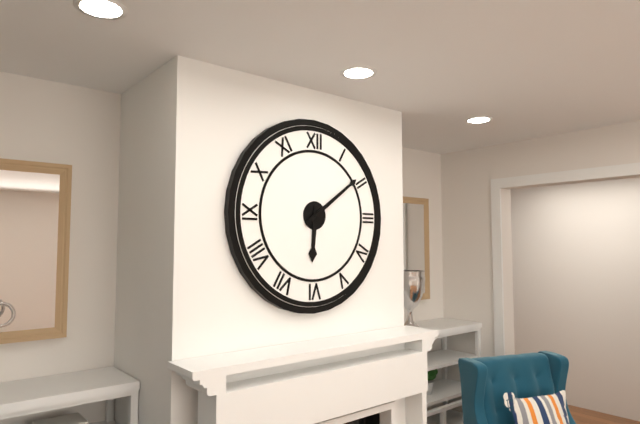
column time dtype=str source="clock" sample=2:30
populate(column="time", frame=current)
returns 6:09
